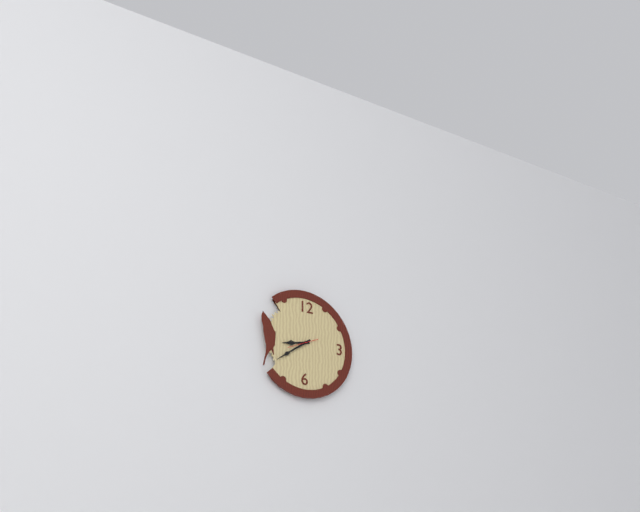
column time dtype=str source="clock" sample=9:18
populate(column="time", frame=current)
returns 8:39
